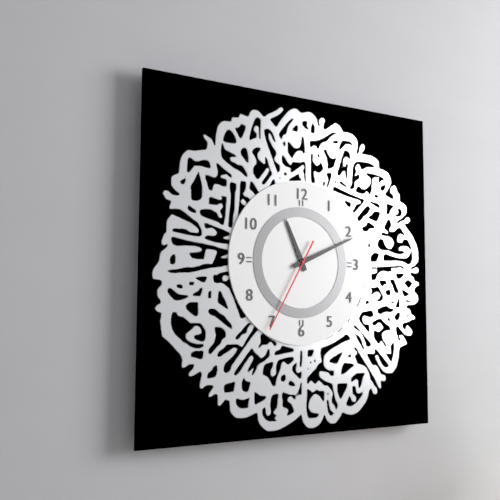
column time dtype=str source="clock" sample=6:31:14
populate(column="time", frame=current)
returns 11:11:35
